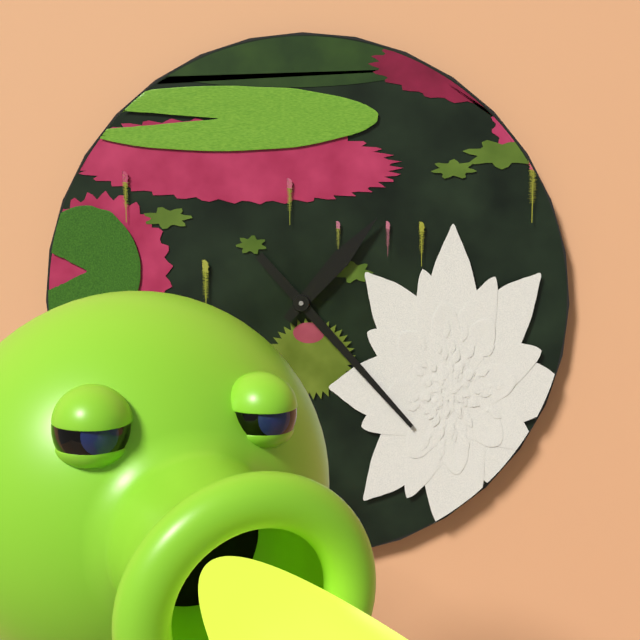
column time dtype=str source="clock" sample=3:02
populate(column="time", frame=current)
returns 1:23
